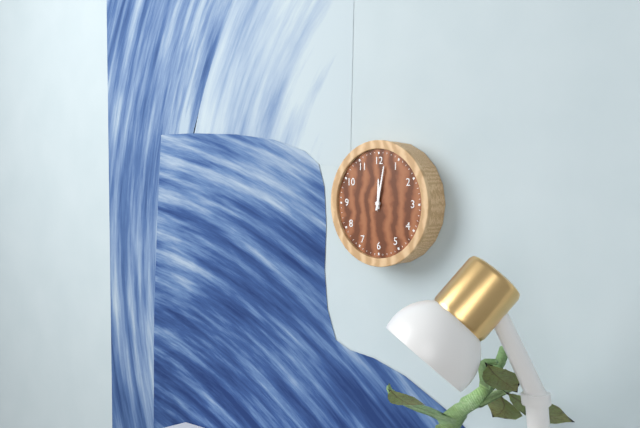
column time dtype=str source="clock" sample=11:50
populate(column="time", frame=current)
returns 12:02
